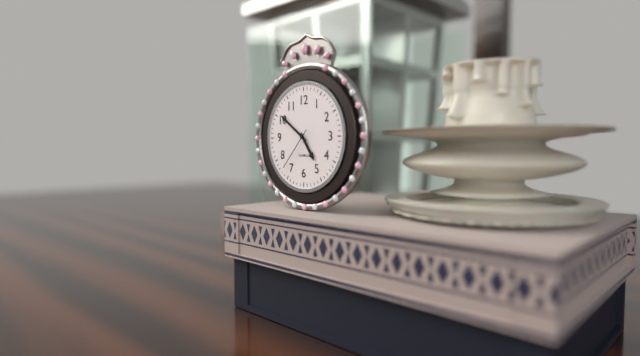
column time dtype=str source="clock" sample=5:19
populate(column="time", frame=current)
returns 4:51
